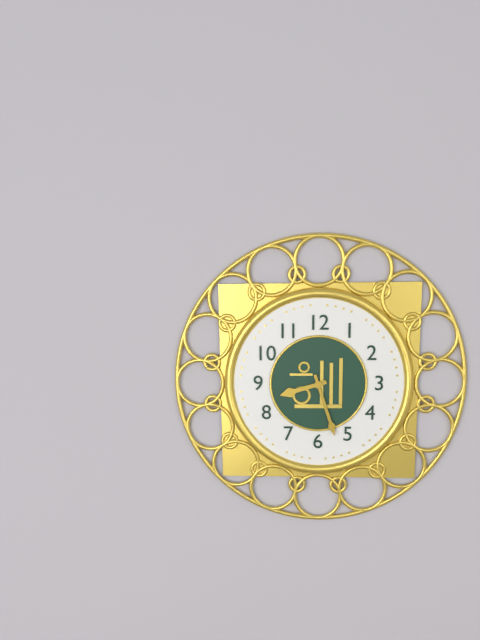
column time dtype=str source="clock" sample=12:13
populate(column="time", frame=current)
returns 8:27
